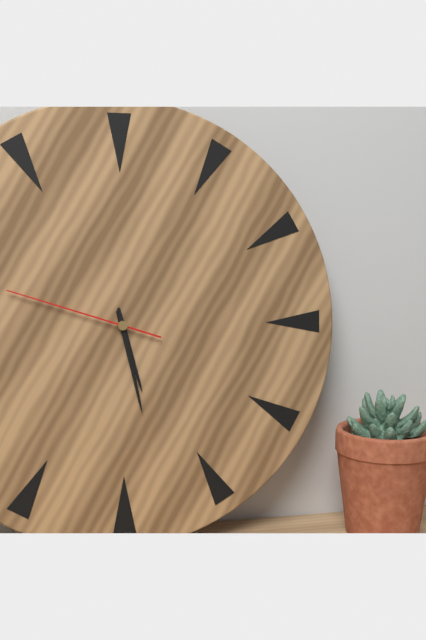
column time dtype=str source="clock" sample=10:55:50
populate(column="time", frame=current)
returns 5:28:48
